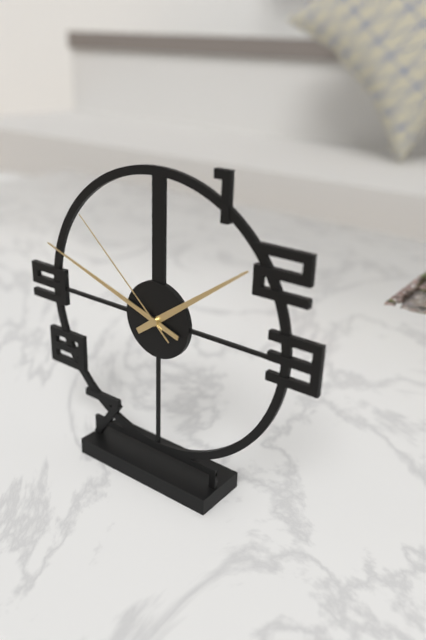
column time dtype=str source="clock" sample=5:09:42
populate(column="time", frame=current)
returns 1:48:52
